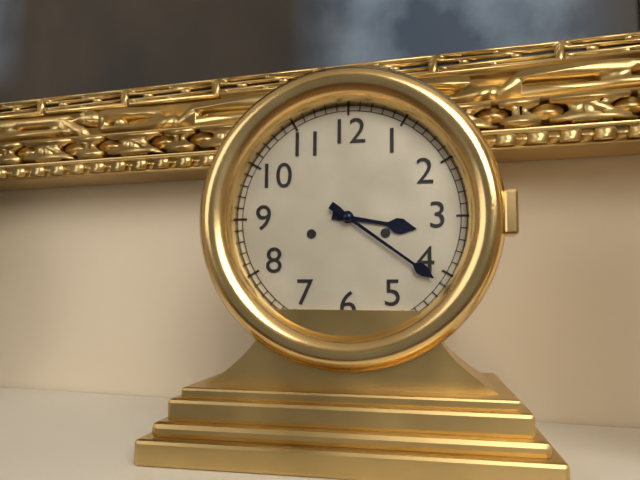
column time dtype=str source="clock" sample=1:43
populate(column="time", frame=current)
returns 3:21
